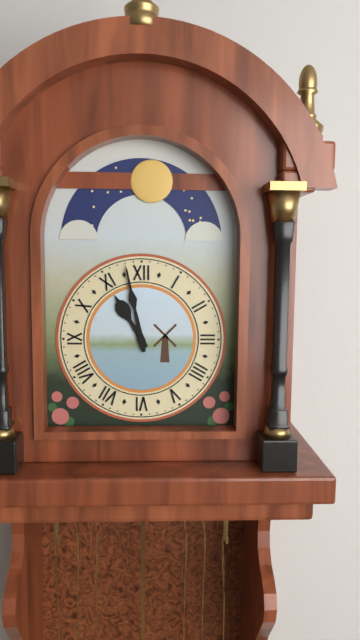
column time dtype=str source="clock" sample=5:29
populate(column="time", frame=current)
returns 10:58
